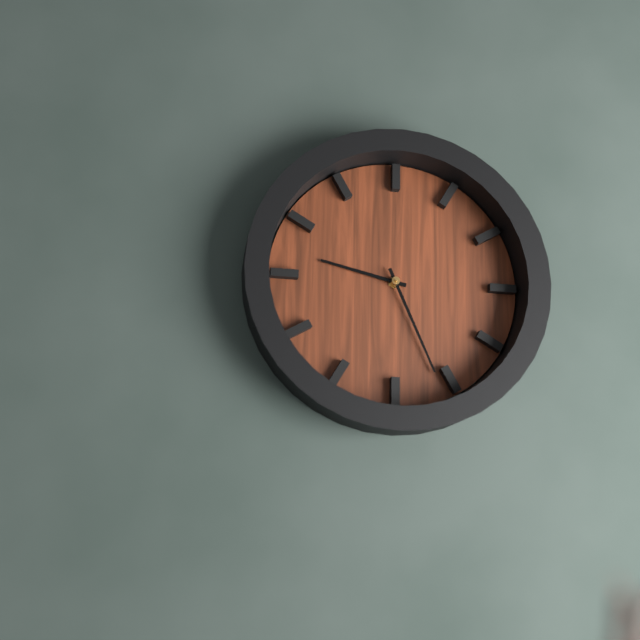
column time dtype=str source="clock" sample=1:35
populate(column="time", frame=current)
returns 9:26
